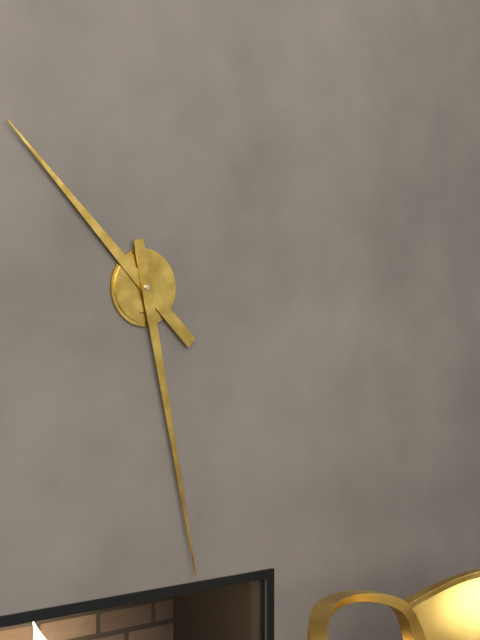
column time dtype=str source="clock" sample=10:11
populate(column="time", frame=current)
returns 10:28
